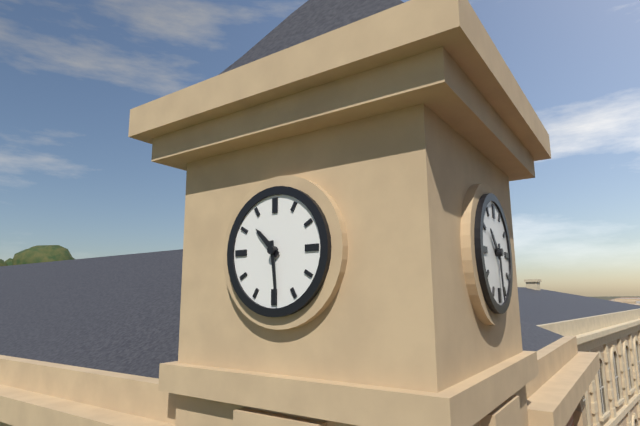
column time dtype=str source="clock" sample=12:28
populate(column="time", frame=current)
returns 10:29
